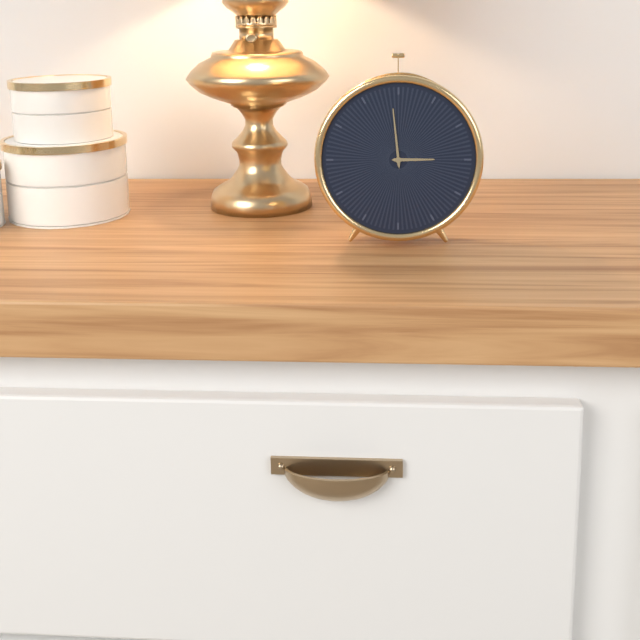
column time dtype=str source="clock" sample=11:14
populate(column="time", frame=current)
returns 2:59
